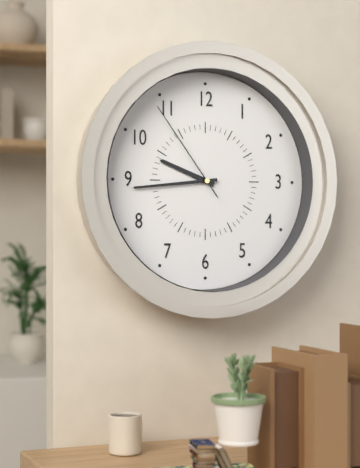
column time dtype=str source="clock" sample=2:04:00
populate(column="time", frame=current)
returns 9:44:54
